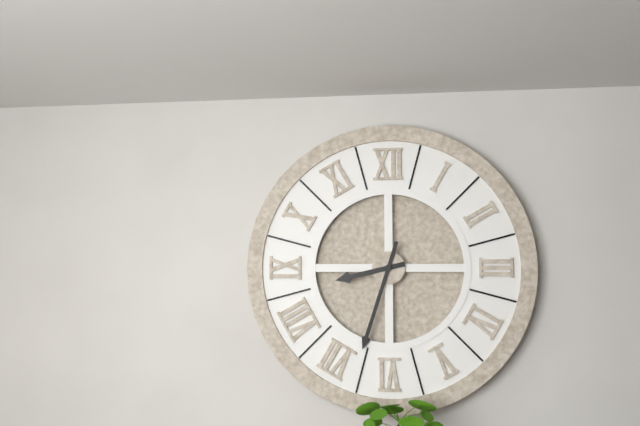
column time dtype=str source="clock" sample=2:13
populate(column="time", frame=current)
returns 8:33
